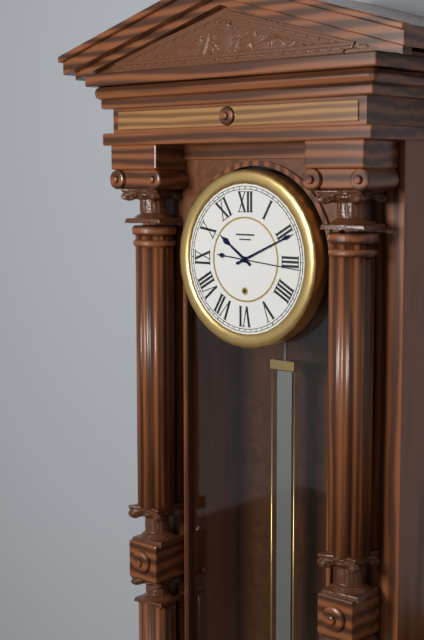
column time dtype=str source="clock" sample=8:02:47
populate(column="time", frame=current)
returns 10:11:16
